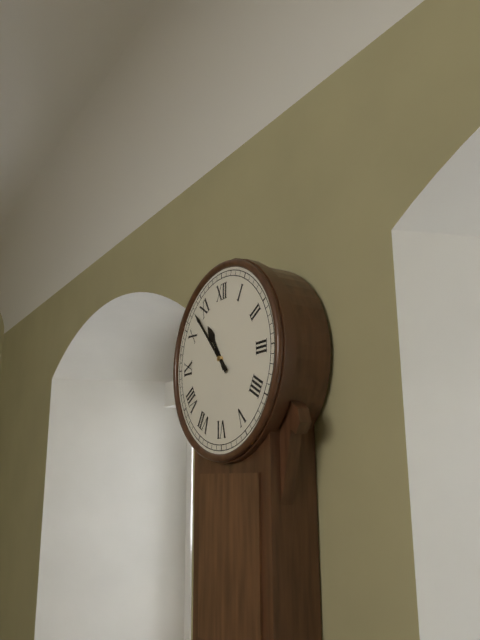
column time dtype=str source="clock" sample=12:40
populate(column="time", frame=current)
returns 10:53
